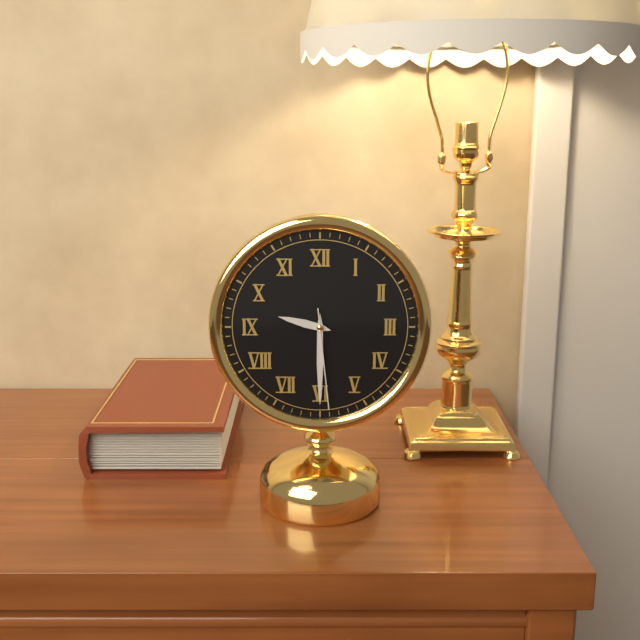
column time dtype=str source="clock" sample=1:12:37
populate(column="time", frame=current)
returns 9:30:29
